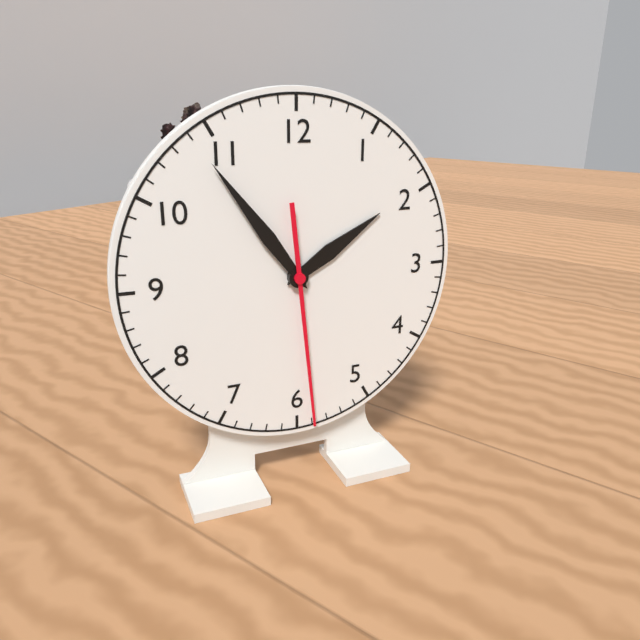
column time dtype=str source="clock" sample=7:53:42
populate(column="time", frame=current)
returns 1:54:29
